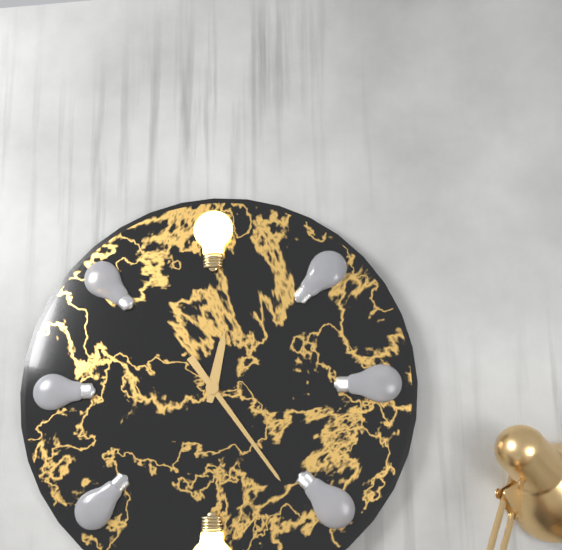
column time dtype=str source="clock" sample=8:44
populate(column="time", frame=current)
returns 12:24
